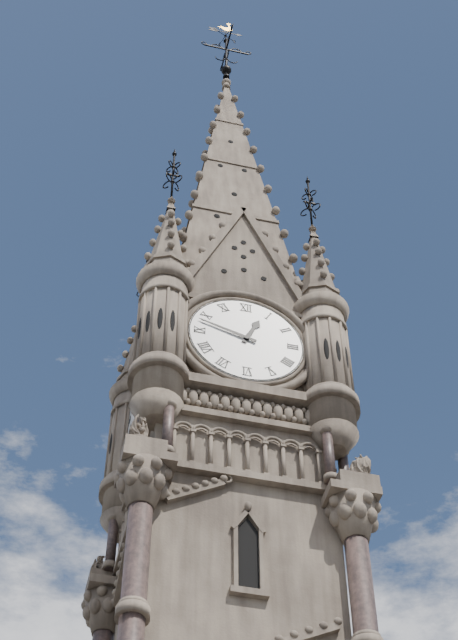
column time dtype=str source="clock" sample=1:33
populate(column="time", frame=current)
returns 12:48
